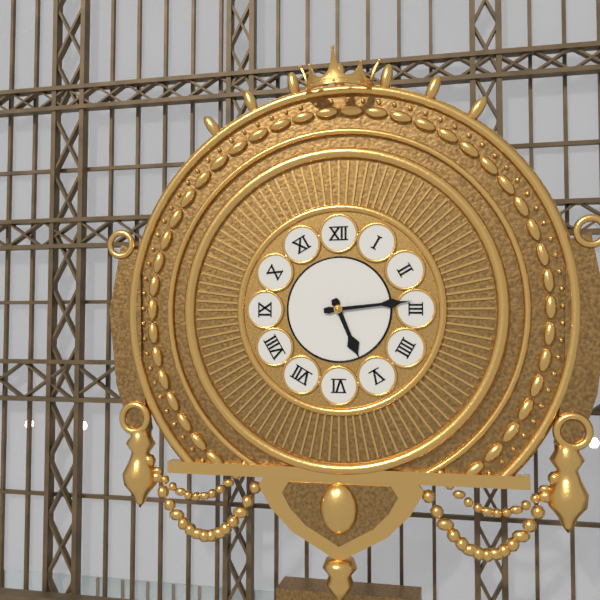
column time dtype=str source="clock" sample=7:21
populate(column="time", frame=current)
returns 5:14
